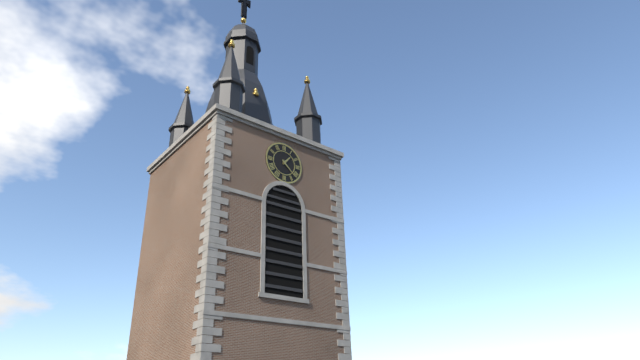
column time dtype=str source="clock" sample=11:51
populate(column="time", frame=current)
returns 1:22
